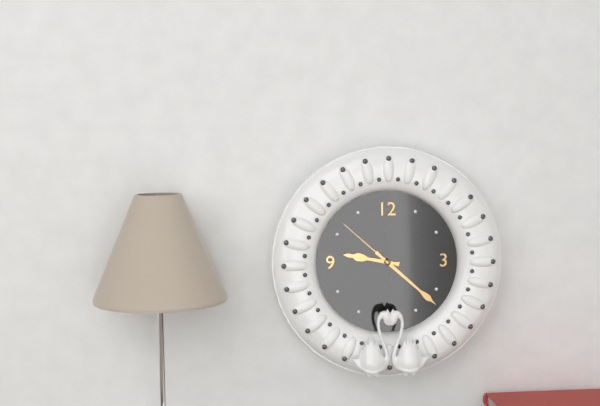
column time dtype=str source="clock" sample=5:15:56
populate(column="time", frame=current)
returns 9:22:52
